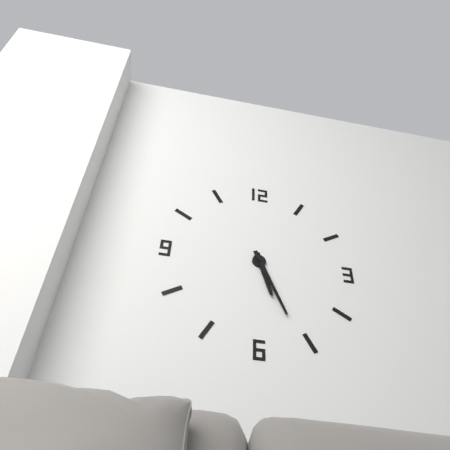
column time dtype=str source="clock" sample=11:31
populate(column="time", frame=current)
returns 5:26
